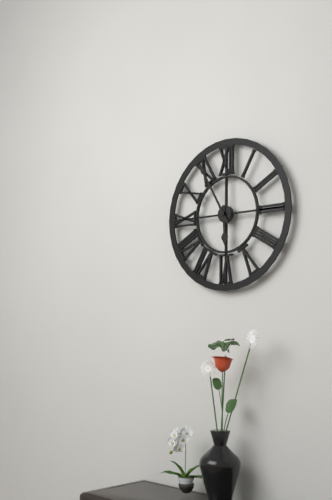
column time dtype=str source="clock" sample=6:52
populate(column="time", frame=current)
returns 5:55
